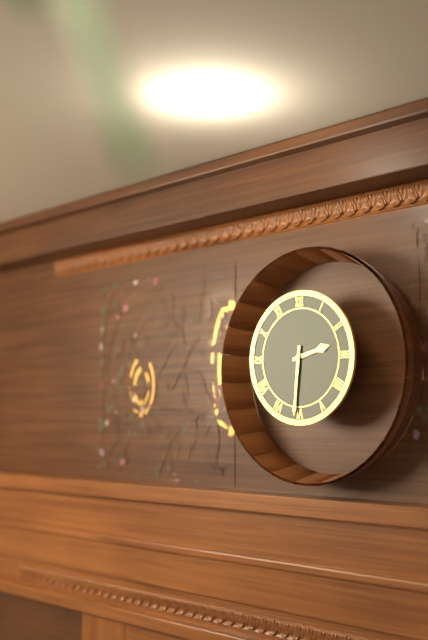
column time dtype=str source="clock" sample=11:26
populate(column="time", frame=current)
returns 2:31
